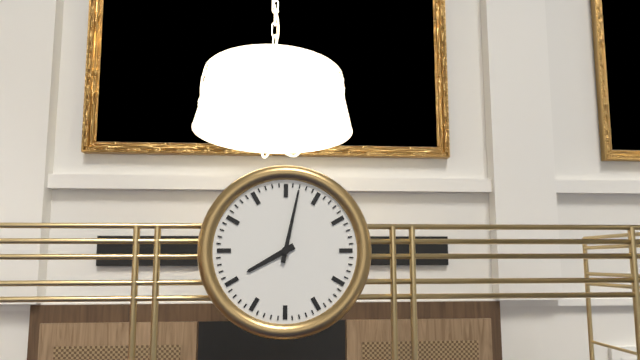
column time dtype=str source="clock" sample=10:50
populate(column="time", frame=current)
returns 8:02
